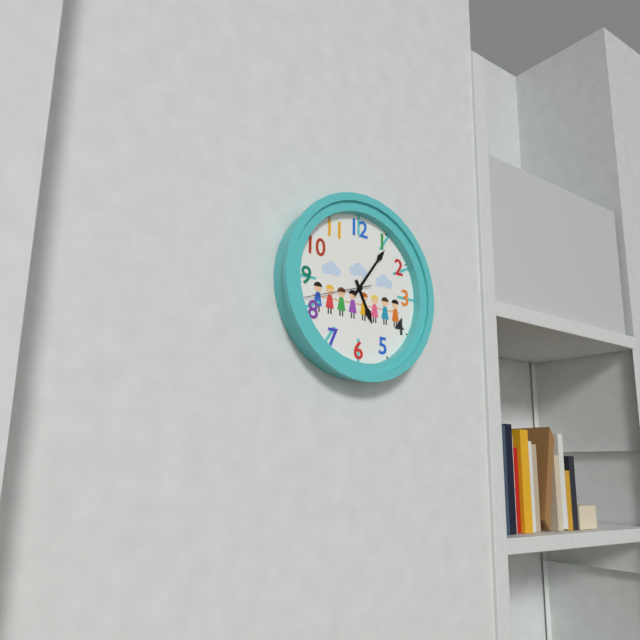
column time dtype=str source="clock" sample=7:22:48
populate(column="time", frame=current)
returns 5:06:42
